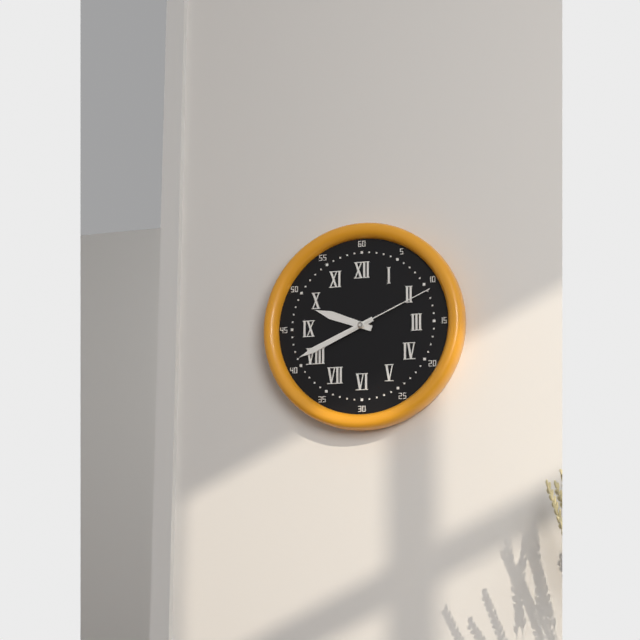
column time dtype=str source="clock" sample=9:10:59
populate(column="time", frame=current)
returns 9:41:11
